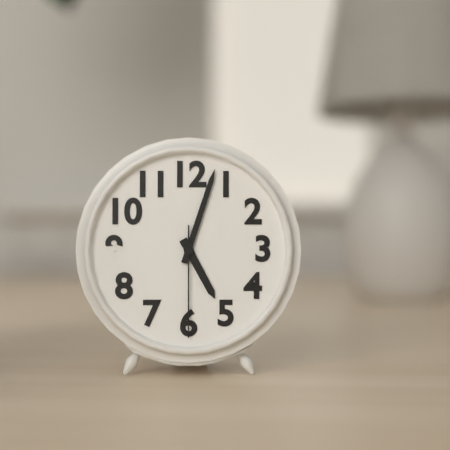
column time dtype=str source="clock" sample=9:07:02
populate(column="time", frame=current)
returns 5:03:30
